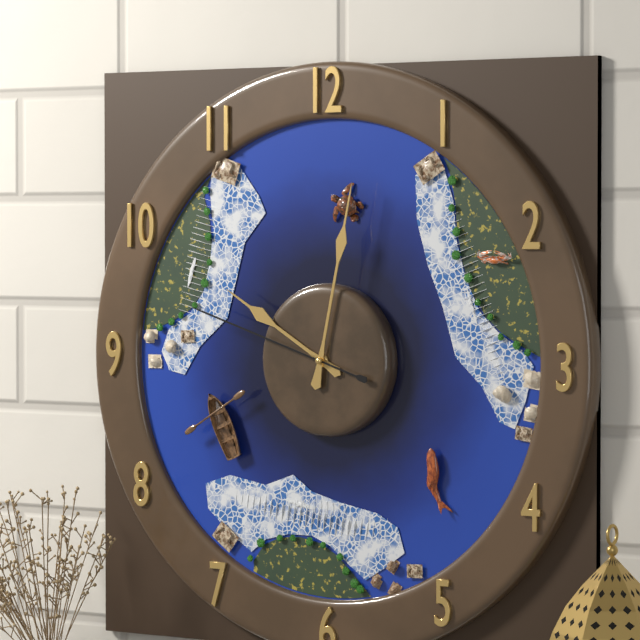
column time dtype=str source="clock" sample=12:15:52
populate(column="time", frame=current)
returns 10:02:48
